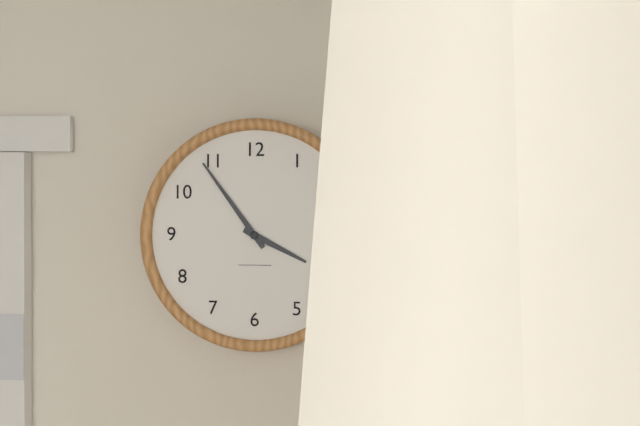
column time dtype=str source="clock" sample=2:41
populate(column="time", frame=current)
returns 3:54
